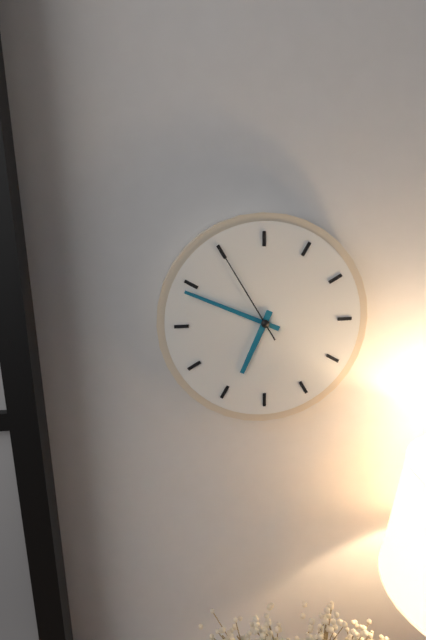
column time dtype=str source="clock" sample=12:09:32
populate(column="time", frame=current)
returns 6:49:55
